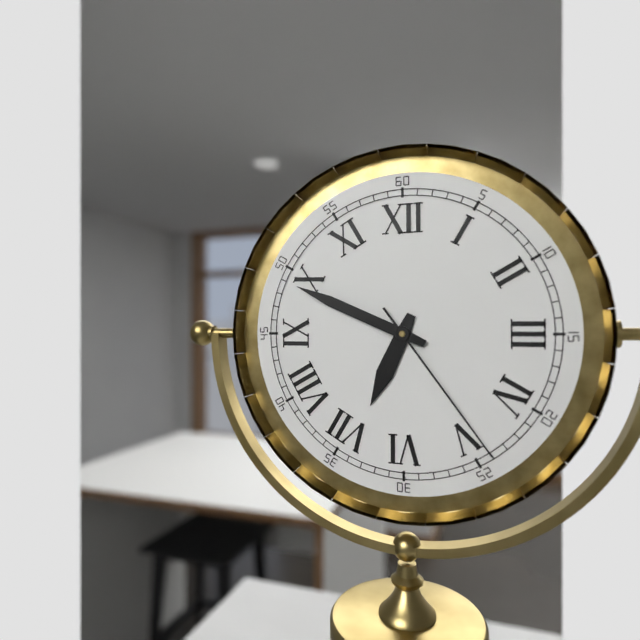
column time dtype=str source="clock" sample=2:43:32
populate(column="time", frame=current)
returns 6:49:24
